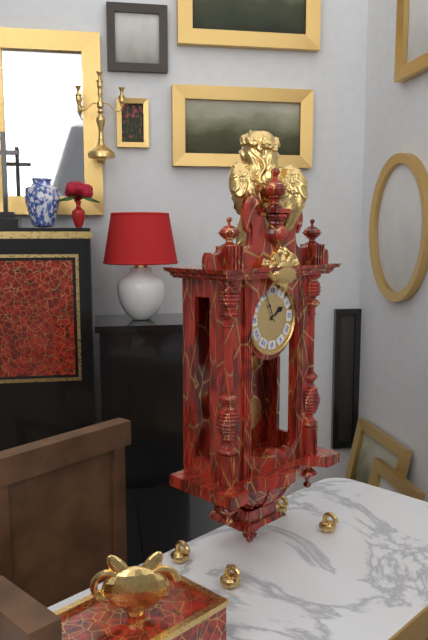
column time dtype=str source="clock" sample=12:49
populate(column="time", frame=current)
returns 1:56
